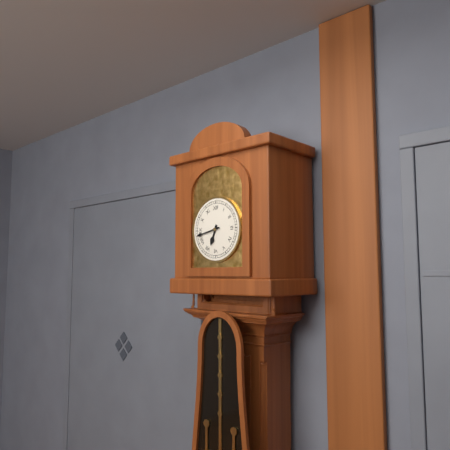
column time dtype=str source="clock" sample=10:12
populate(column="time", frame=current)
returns 6:43
